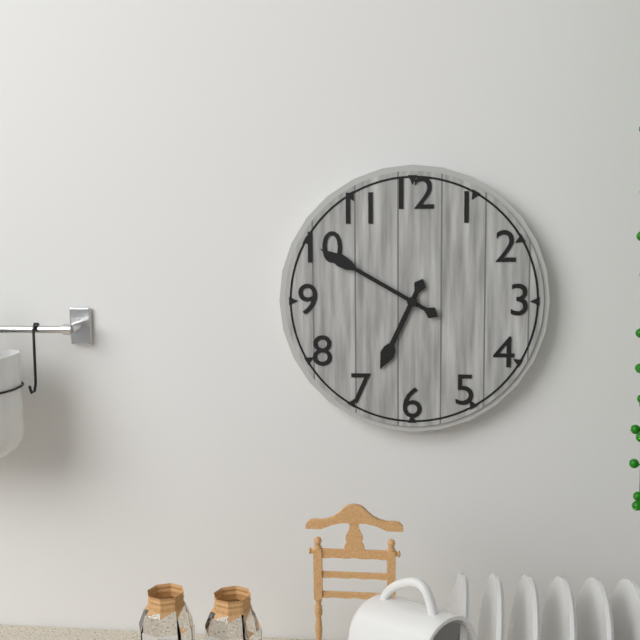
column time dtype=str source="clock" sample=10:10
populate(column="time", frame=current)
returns 6:50
